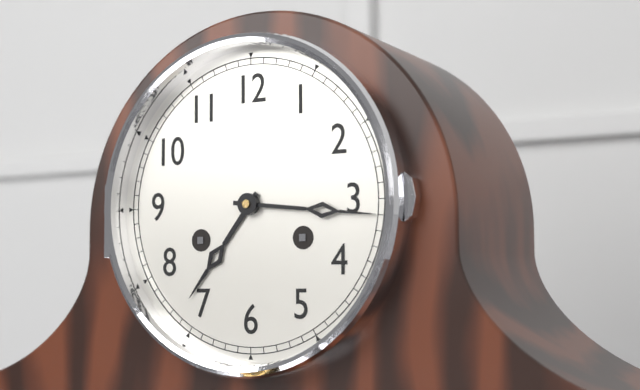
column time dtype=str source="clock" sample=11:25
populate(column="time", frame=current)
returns 7:16
